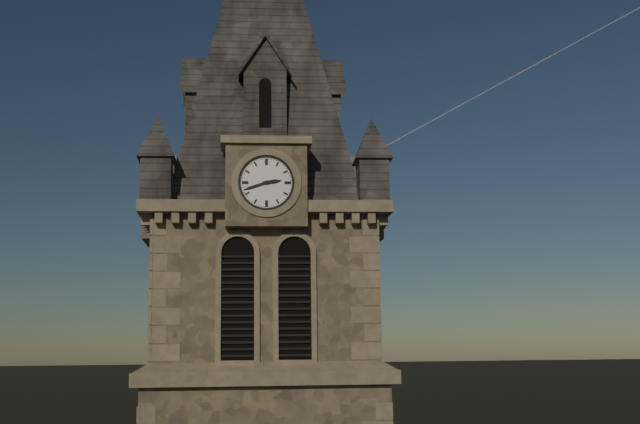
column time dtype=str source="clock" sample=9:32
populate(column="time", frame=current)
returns 2:42
